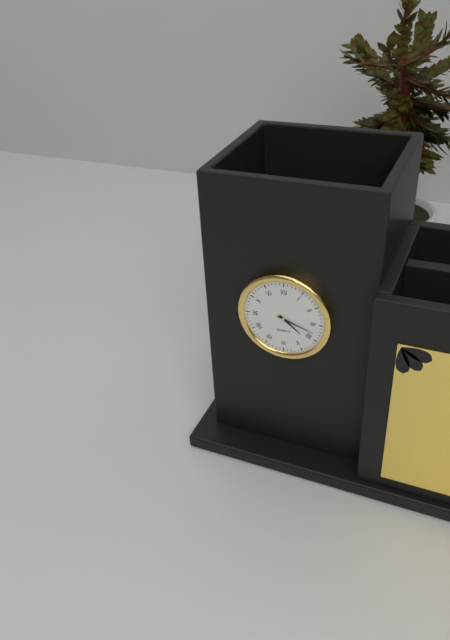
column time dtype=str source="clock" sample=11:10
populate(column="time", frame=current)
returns 4:18
